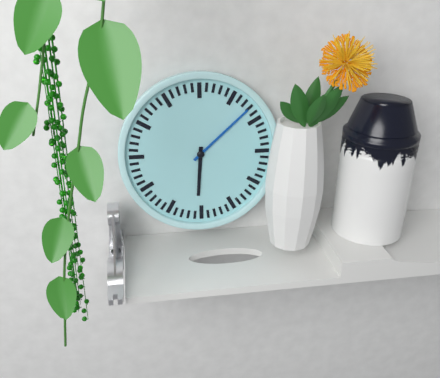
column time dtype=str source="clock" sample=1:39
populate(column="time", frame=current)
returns 6:08
